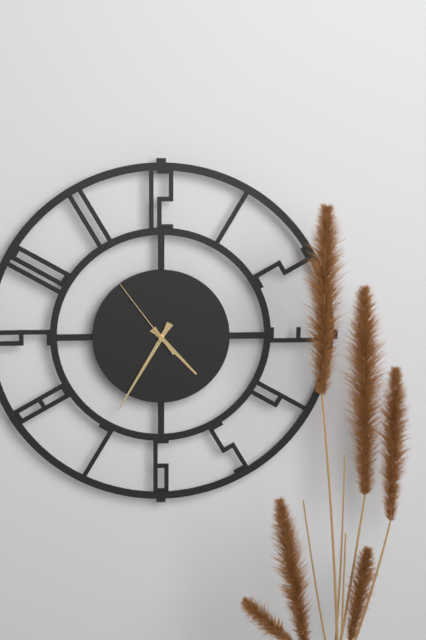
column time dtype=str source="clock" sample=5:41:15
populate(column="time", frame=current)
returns 4:35:54
